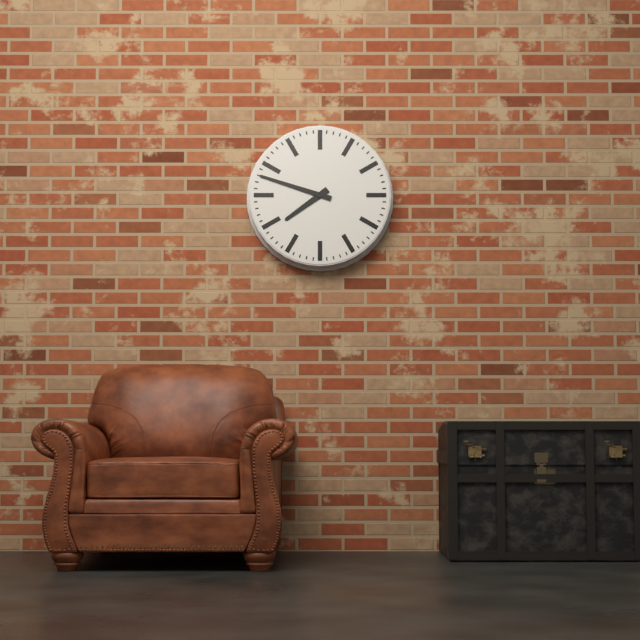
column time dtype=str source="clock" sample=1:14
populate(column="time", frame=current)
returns 7:48
